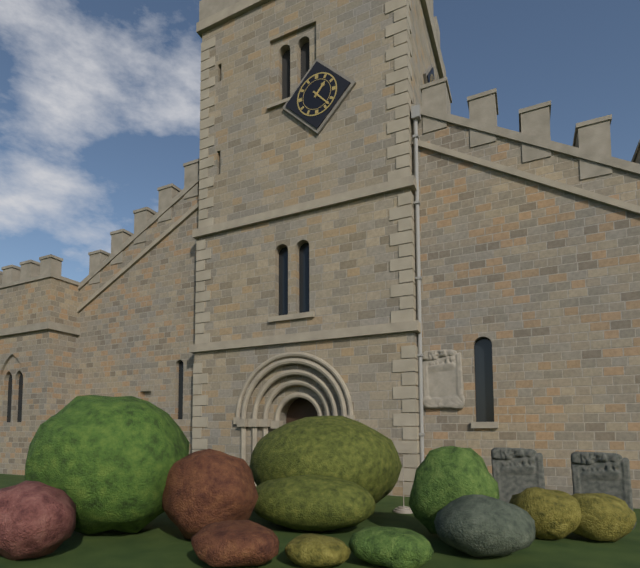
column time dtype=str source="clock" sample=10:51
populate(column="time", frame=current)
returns 1:23
